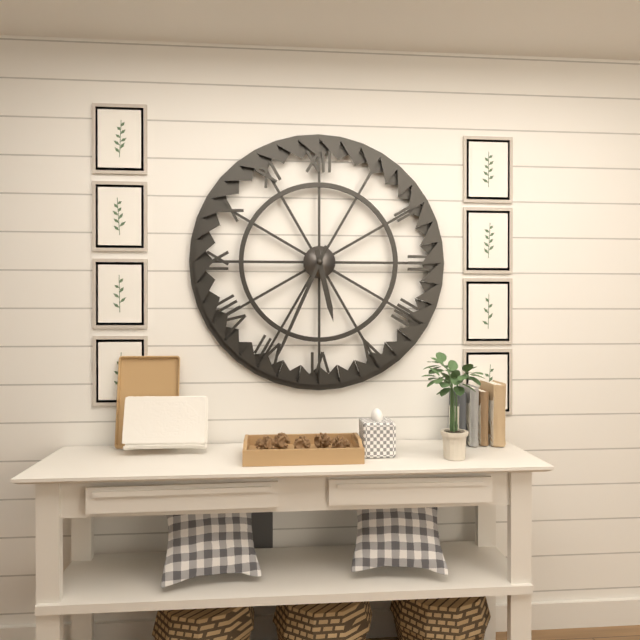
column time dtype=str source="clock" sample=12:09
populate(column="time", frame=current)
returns 5:34
